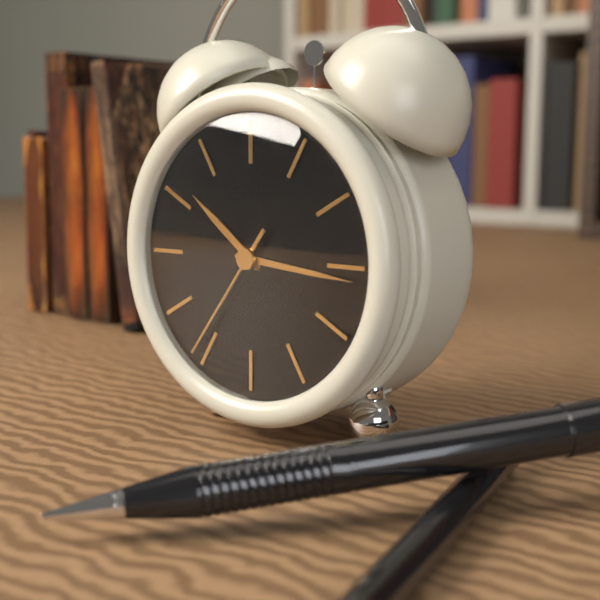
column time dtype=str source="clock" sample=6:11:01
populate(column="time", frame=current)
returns 10:16:36
